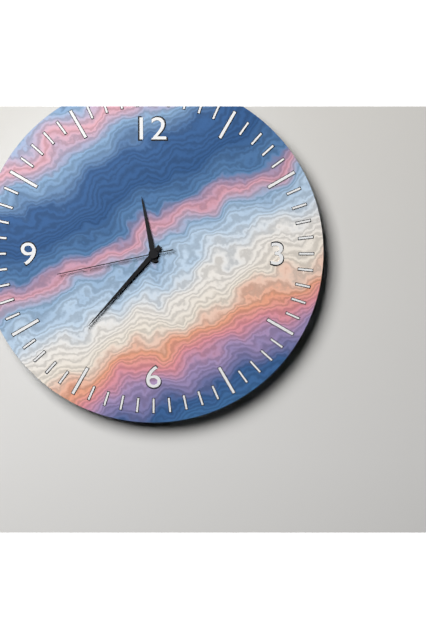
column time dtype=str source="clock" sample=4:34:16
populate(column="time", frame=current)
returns 11:37:43
